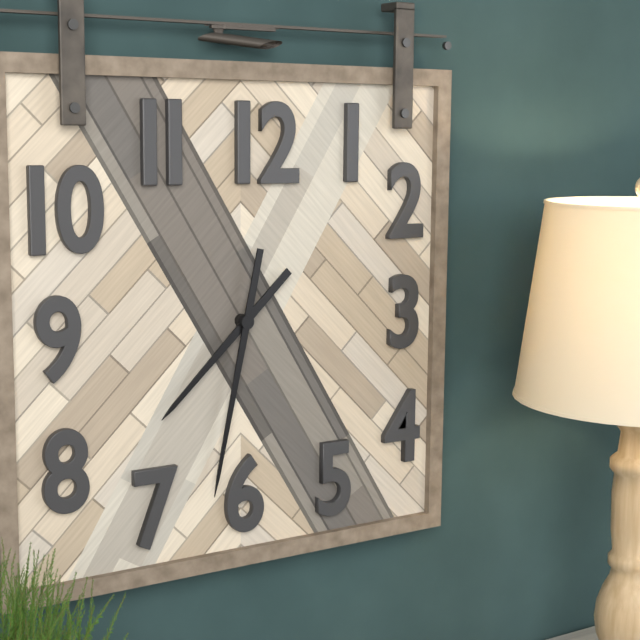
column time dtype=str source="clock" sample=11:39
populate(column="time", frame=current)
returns 7:32
